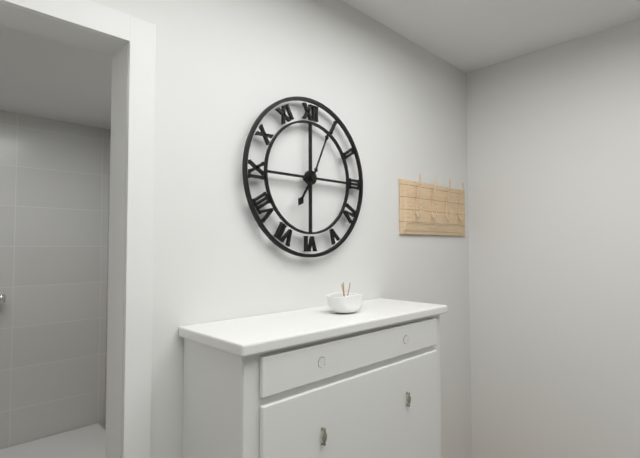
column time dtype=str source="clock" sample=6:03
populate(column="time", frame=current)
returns 7:04
